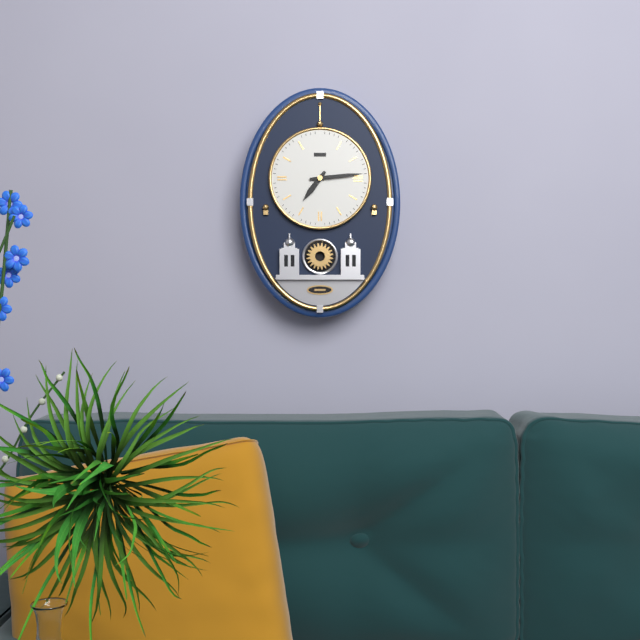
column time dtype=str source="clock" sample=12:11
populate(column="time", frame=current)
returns 7:14
